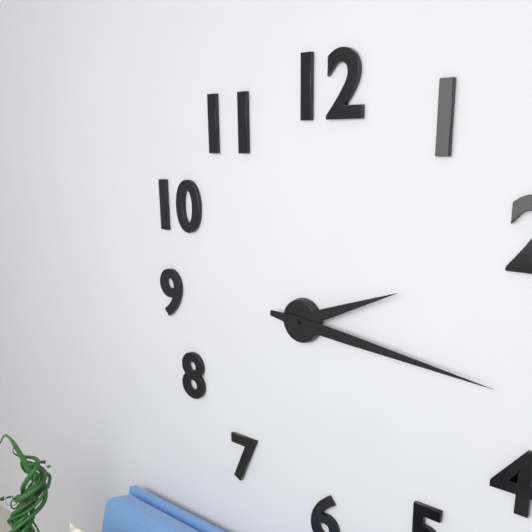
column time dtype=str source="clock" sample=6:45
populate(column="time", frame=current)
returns 2:16
